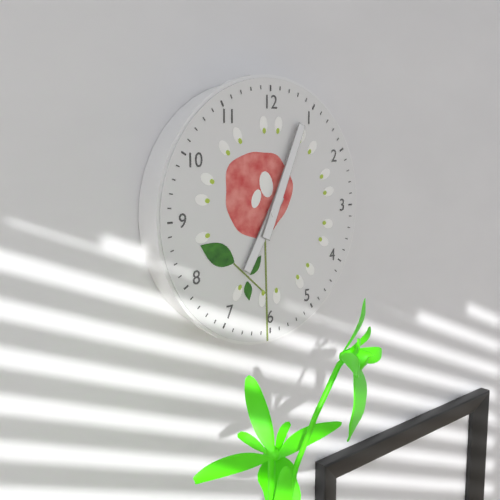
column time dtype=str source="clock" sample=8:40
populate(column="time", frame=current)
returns 7:04
